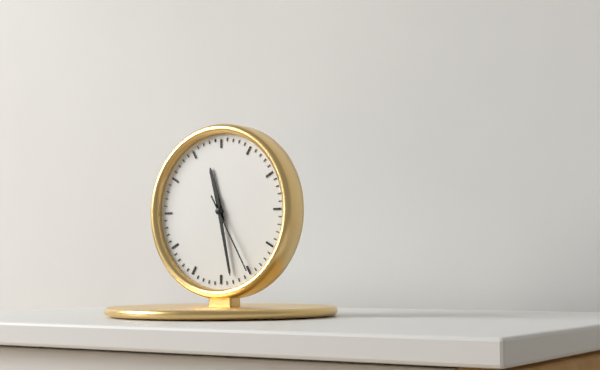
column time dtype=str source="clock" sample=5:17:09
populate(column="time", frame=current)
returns 11:28:25
